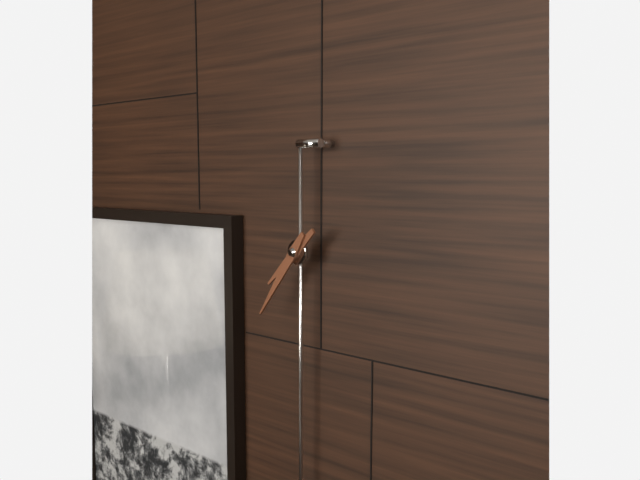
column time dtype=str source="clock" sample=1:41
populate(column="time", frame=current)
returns 7:36
